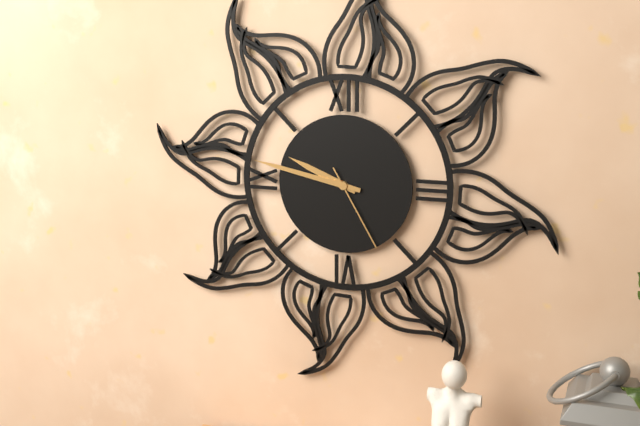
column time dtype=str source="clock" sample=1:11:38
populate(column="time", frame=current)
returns 9:47:25
